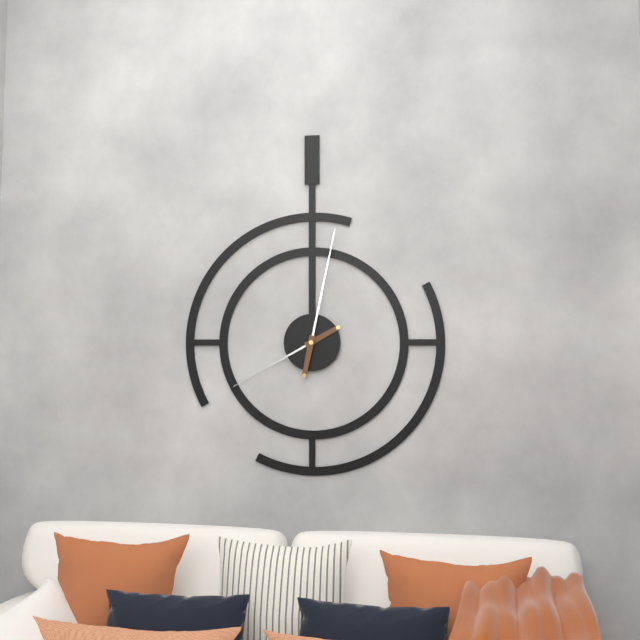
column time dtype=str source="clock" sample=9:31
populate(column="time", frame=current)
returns 8:02
